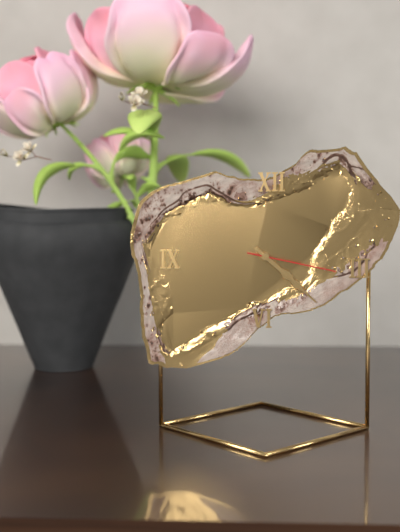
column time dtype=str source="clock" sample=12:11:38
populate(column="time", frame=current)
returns 4:22:17
